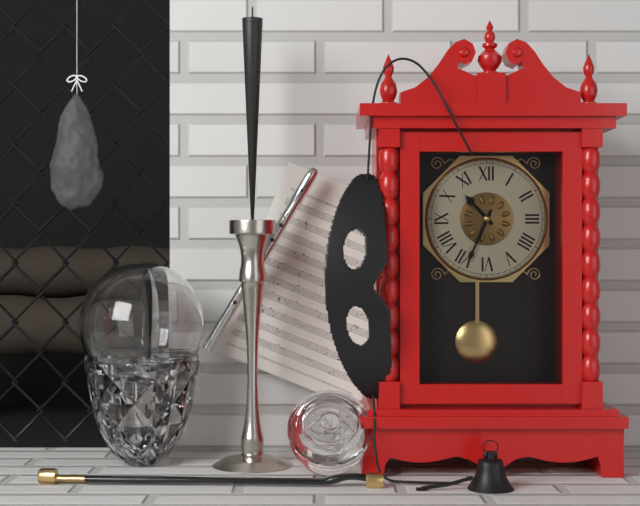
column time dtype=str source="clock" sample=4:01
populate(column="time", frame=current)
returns 10:34
